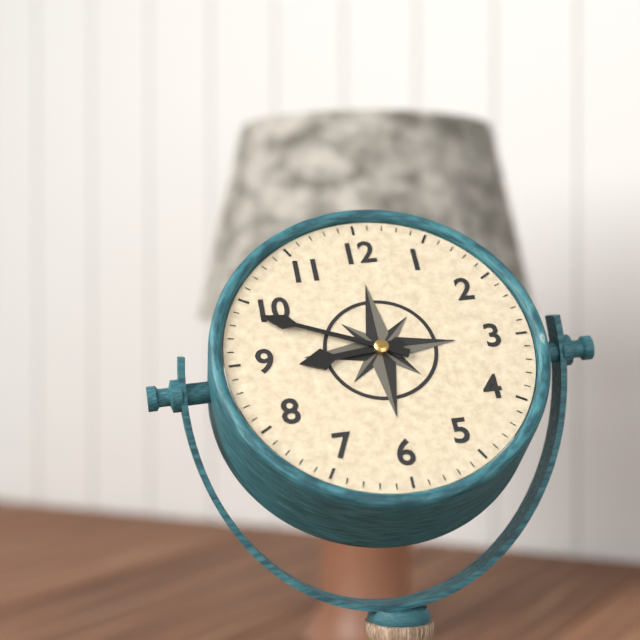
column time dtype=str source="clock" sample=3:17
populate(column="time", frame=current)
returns 8:49
